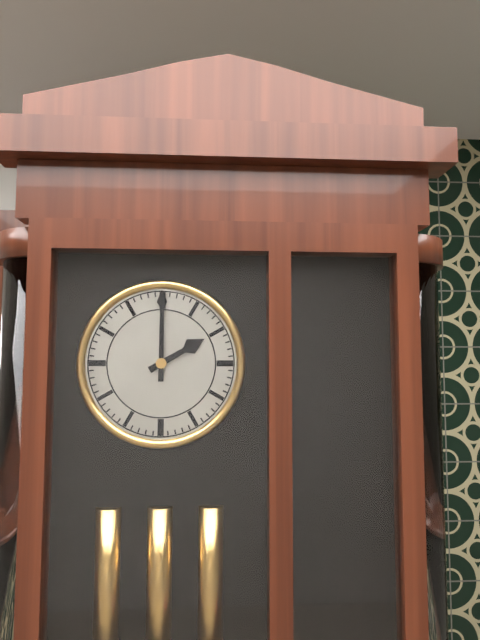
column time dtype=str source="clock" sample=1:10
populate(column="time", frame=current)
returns 2:00
